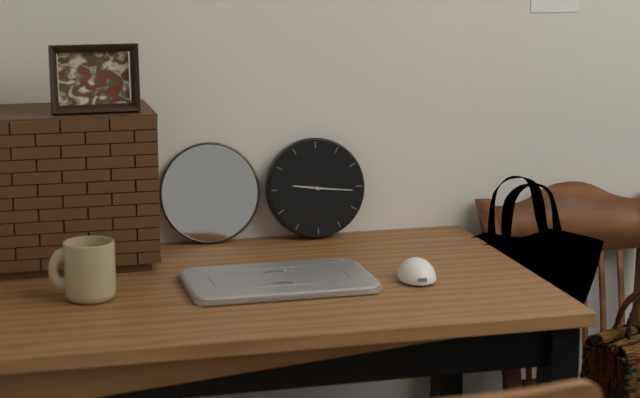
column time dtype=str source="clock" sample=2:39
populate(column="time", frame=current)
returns 9:16
